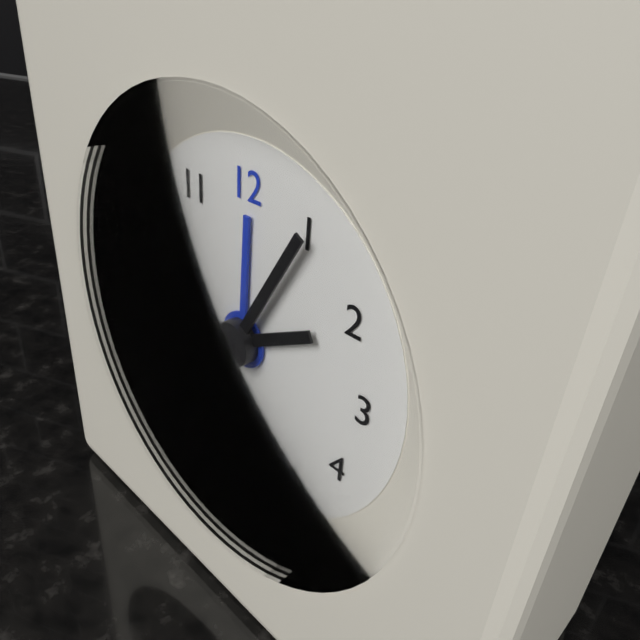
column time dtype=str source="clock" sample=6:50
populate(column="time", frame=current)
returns 2:05
